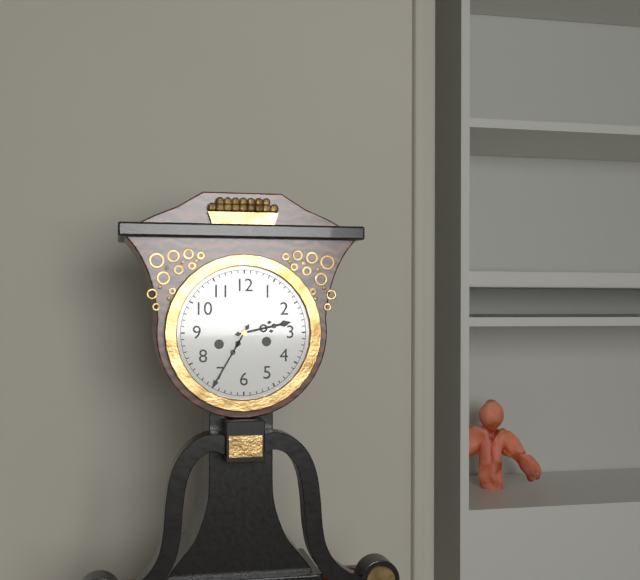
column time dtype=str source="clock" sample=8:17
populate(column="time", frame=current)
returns 2:35
